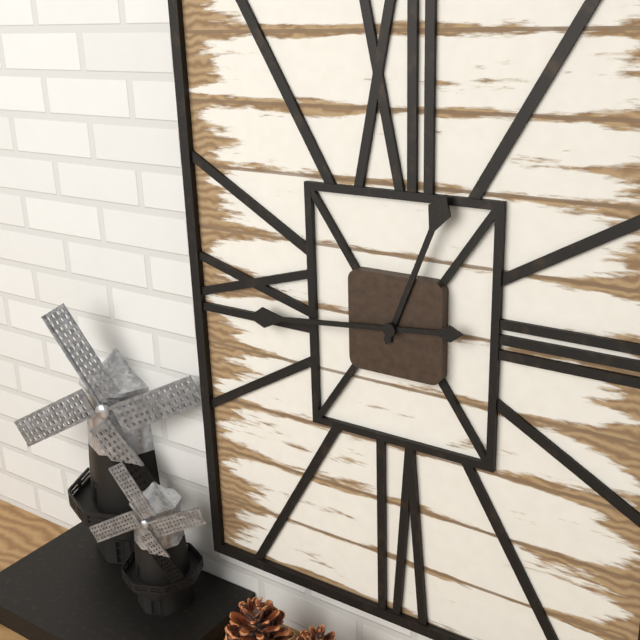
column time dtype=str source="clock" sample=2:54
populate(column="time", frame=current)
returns 12:44
